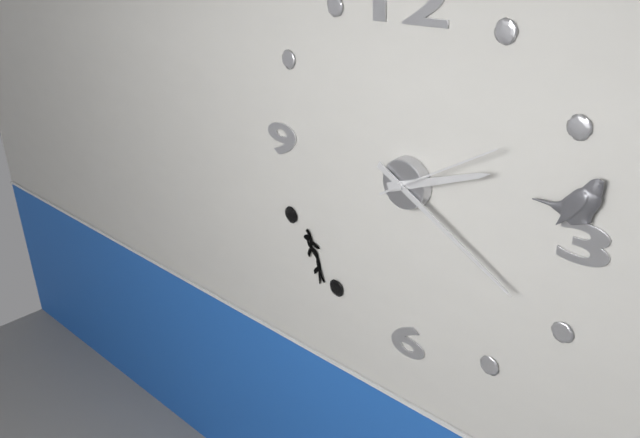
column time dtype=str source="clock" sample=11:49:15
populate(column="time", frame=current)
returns 2:20:10
